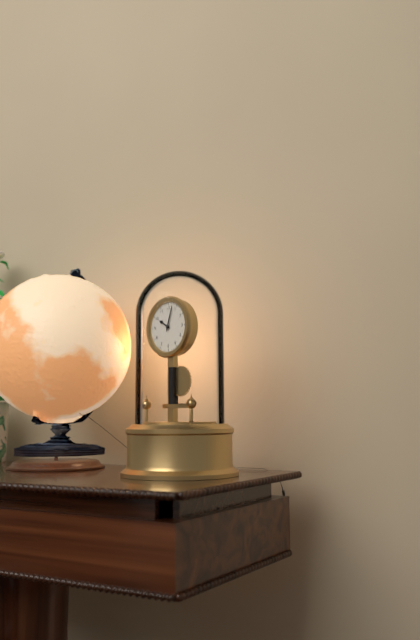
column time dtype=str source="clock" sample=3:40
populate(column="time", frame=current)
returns 10:03
